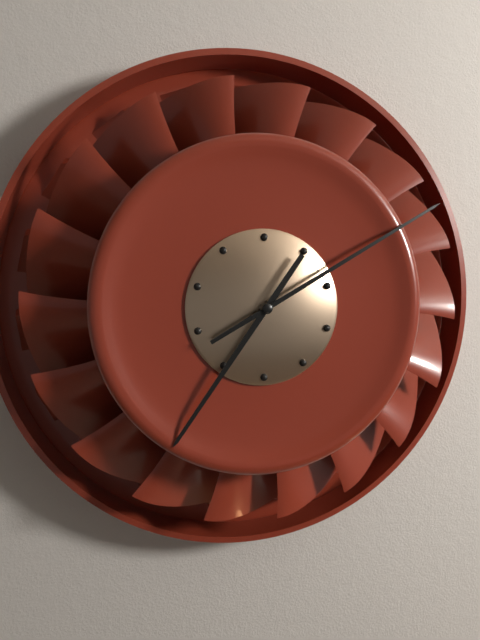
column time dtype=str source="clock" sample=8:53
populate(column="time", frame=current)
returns 7:10
